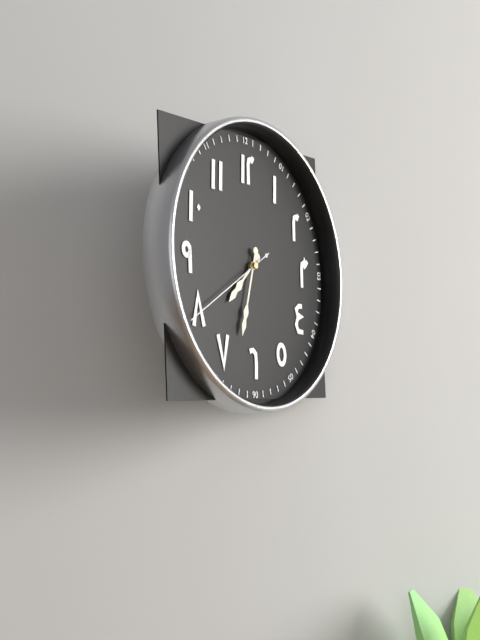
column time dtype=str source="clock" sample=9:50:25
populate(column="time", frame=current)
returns 7:33:40
